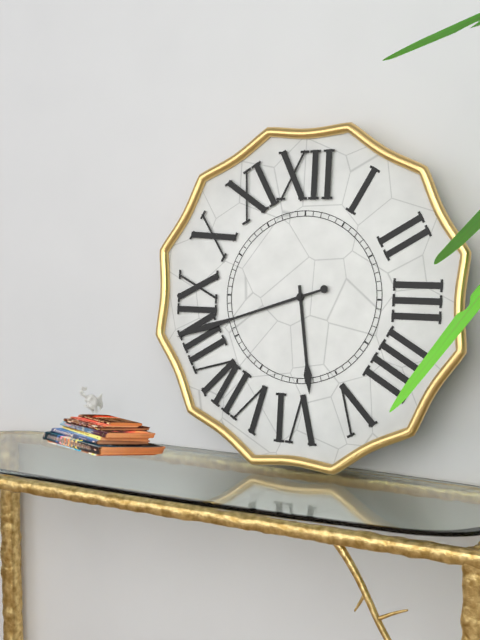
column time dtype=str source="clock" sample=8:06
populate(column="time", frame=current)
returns 5:42
